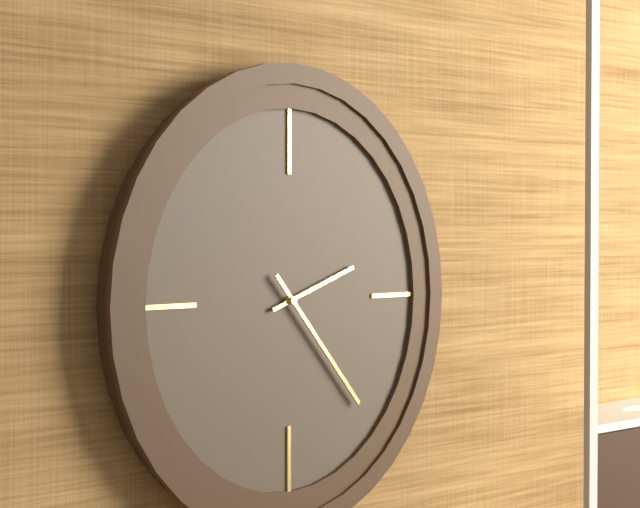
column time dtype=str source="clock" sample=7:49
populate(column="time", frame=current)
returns 2:23
